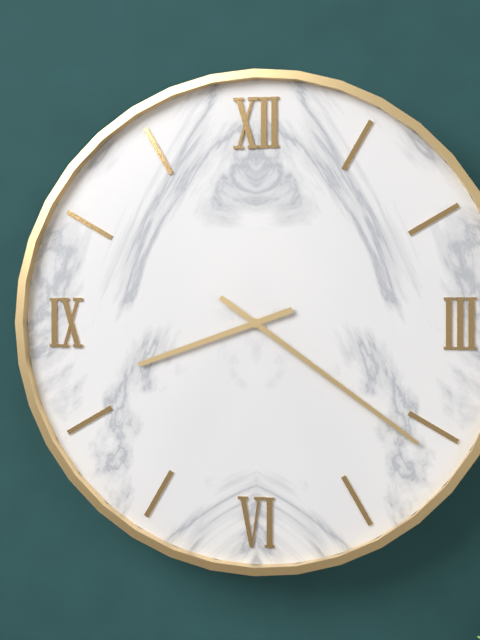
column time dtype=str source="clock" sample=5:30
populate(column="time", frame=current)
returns 8:21
